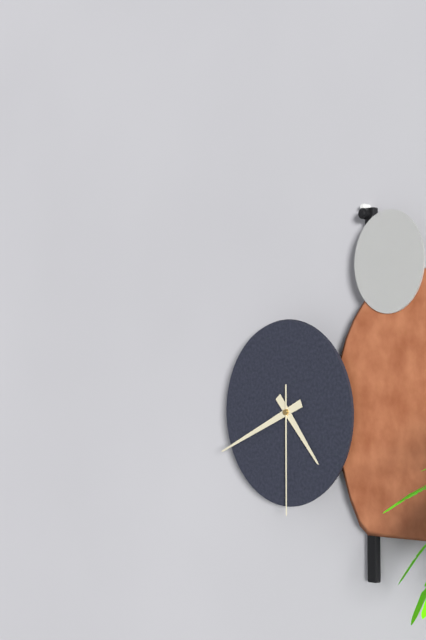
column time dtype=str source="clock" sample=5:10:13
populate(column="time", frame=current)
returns 4:41:30
